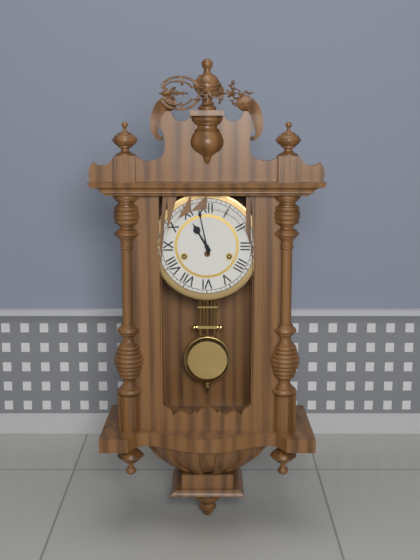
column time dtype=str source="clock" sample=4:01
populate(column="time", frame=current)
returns 10:58
